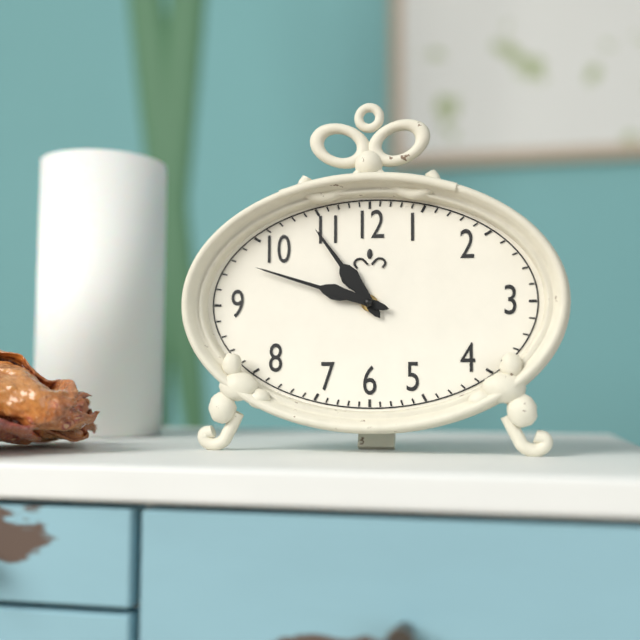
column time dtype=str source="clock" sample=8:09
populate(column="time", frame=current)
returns 10:48
